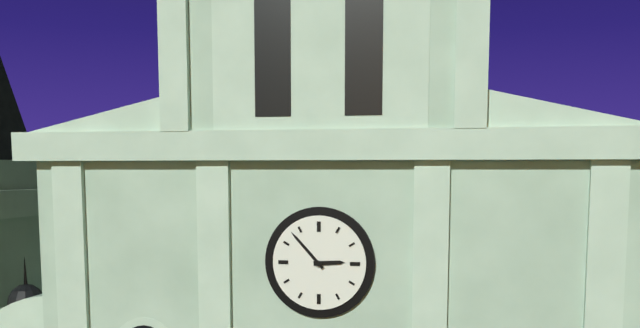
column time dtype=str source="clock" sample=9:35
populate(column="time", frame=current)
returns 2:53
